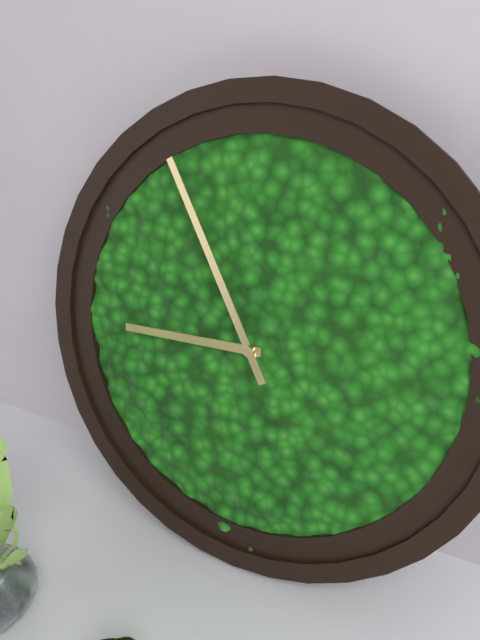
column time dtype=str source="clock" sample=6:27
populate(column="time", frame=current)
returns 8:55
